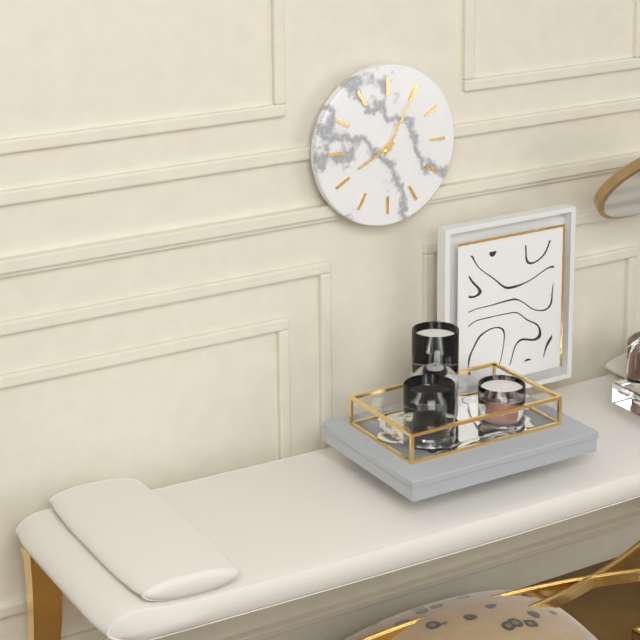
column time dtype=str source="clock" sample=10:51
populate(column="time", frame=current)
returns 8:05
